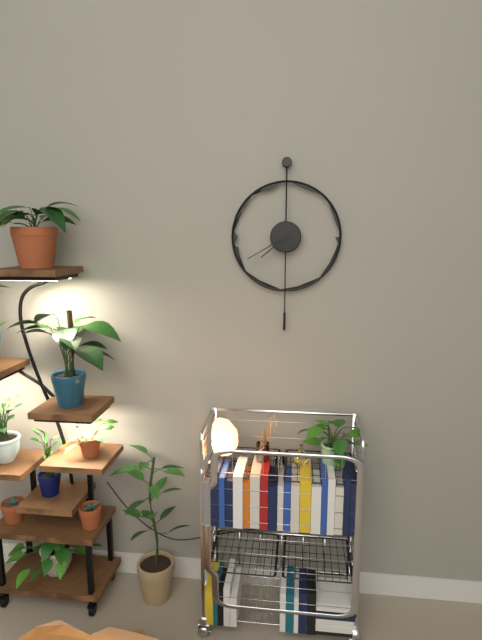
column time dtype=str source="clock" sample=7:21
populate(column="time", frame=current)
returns 7:40
